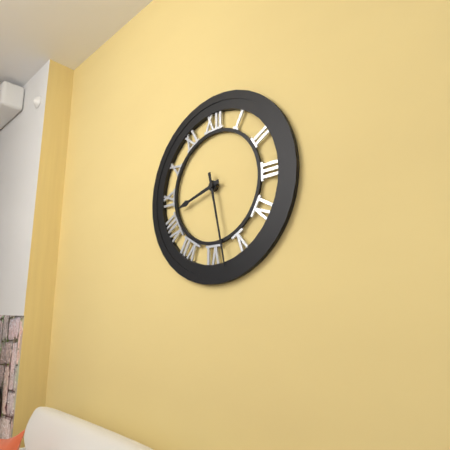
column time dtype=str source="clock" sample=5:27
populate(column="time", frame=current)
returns 8:28
